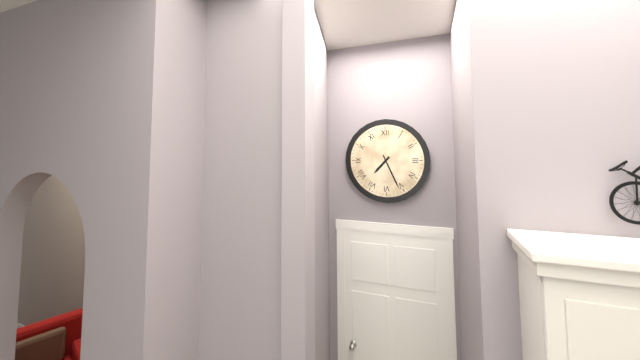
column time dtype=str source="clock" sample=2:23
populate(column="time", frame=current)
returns 7:26
